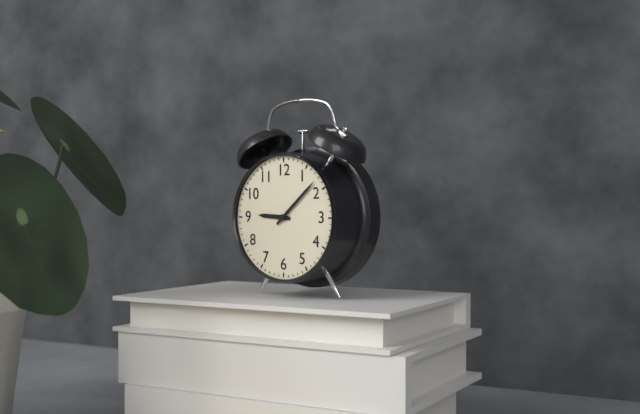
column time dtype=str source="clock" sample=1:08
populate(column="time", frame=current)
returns 9:08
